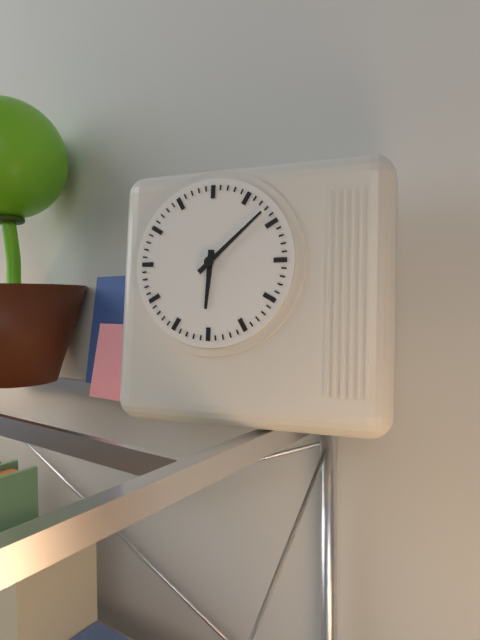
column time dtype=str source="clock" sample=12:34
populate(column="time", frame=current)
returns 6:08
